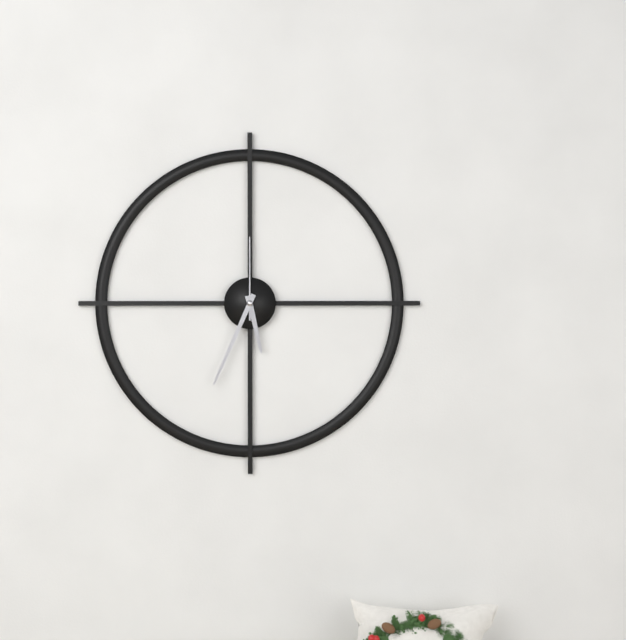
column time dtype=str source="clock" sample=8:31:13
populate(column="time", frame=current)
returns 5:34:00
